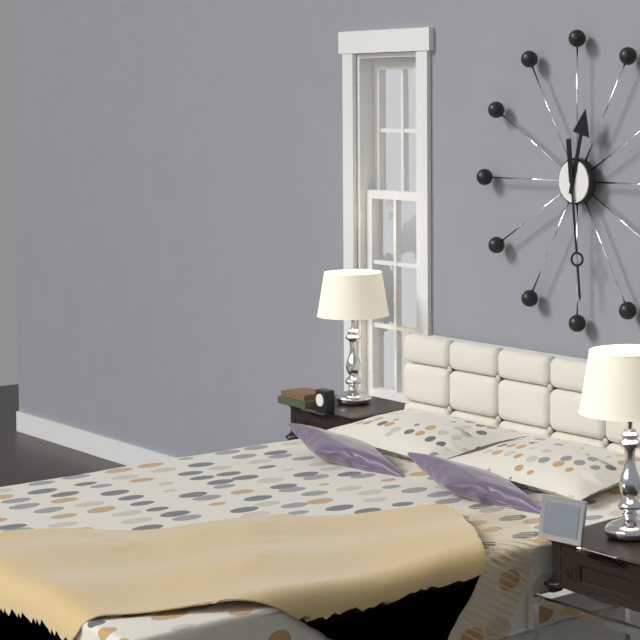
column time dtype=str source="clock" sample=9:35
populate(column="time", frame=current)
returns 12:29
